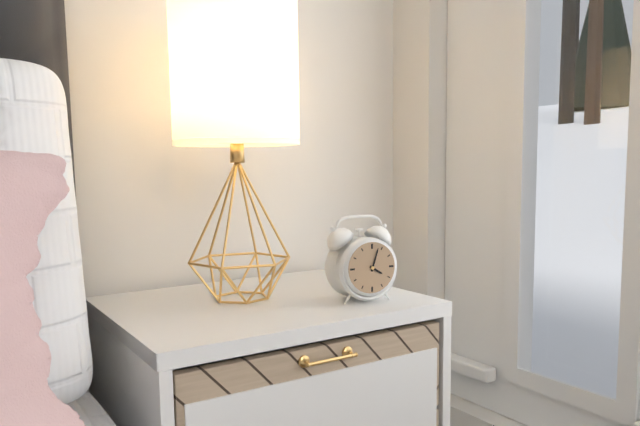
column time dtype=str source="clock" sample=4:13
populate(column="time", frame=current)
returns 4:03
